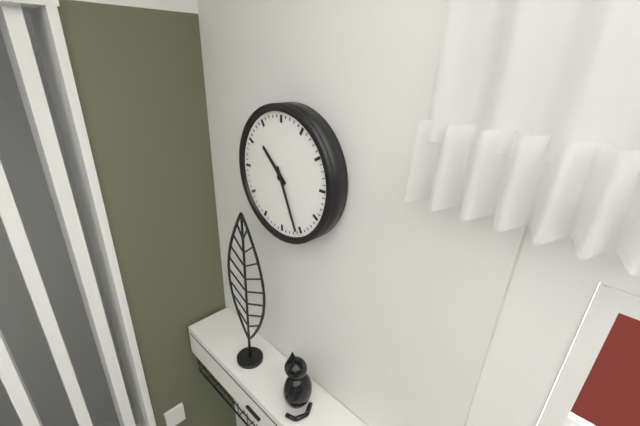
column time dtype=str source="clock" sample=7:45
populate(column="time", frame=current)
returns 10:26
